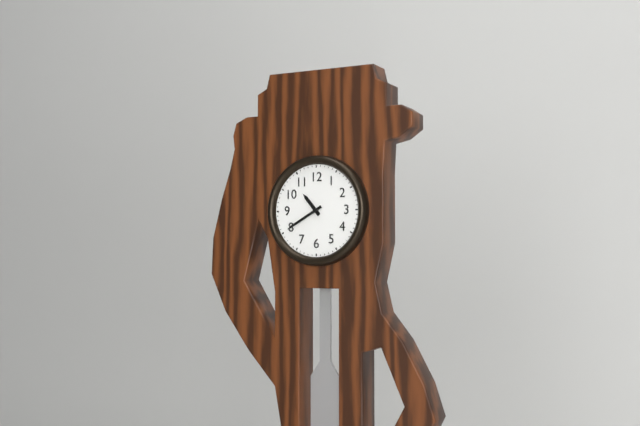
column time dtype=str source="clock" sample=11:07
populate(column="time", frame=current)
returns 10:40
